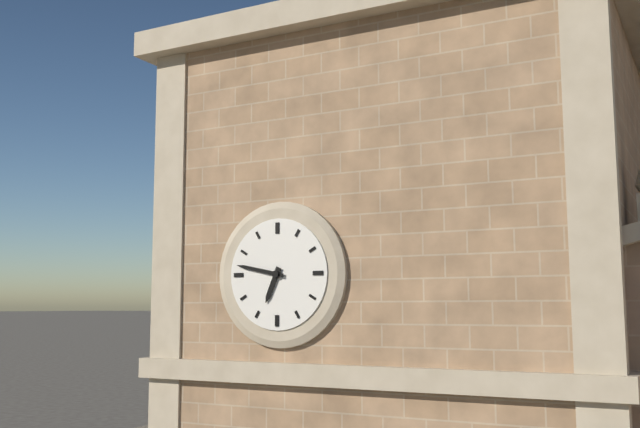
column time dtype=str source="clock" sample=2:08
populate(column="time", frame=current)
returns 6:47
